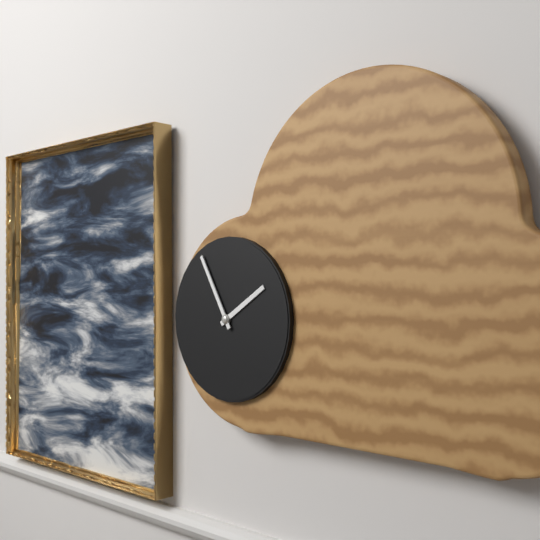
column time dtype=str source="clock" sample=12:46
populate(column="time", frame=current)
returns 1:55
